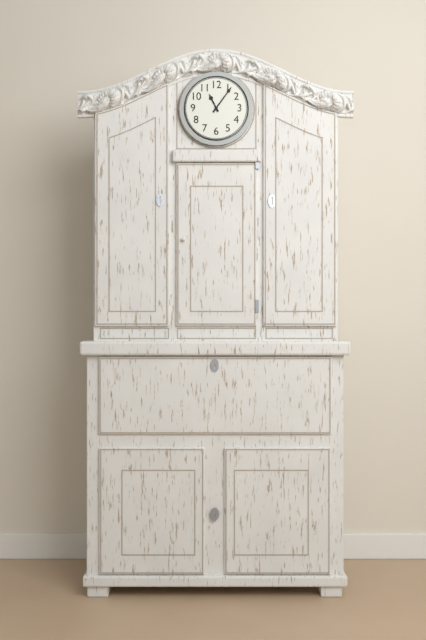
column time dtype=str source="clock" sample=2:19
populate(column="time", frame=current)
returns 11:06
